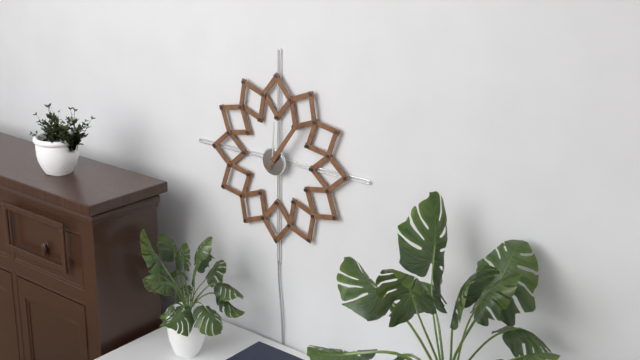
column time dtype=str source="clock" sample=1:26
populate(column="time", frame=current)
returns 12:06
